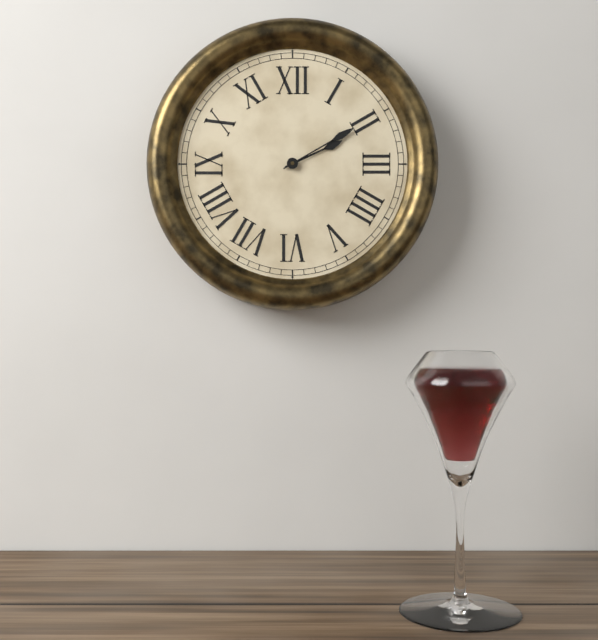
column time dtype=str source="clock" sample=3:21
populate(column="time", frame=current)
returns 2:10
